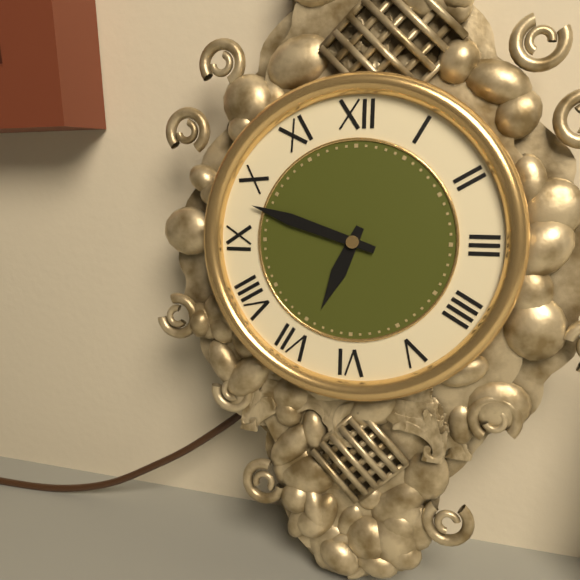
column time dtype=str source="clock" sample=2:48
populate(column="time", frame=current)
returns 6:48
